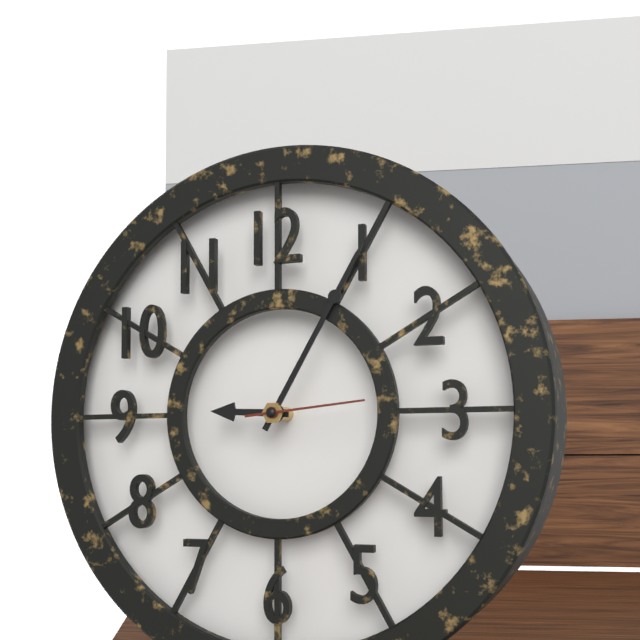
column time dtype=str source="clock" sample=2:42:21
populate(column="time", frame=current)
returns 9:05:14
